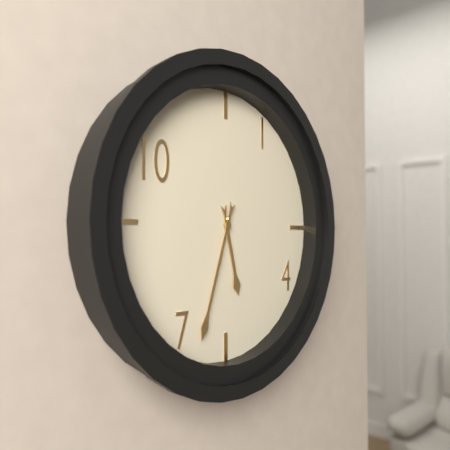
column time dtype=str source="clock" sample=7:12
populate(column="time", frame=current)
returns 5:33
